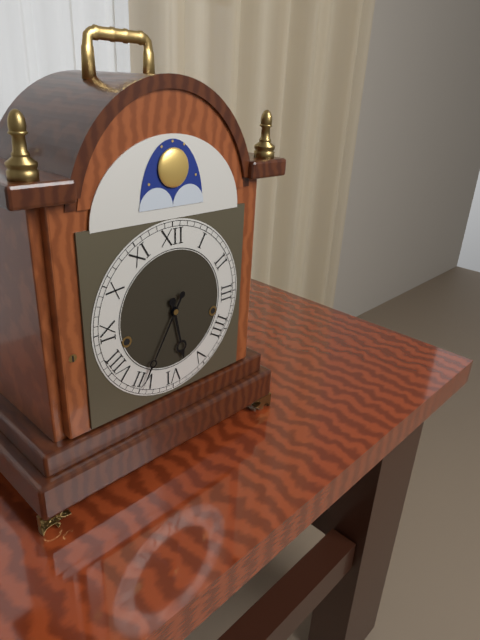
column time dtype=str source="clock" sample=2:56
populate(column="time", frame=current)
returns 5:35
